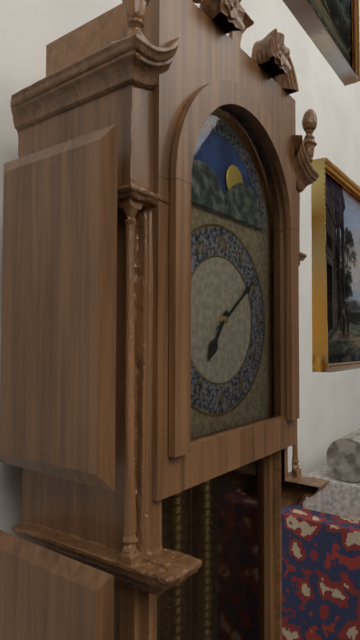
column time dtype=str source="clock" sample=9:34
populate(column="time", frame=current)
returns 7:09
